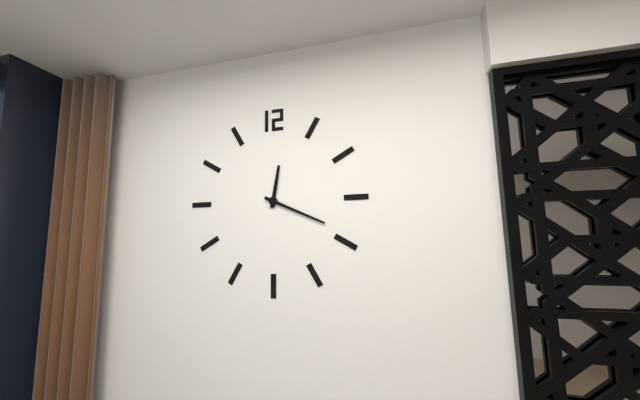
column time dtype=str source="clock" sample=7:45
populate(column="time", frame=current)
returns 12:19
